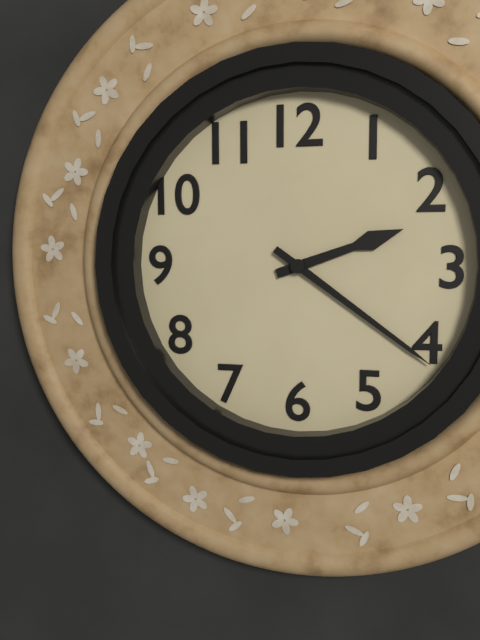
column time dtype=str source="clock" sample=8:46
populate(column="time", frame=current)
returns 2:21
